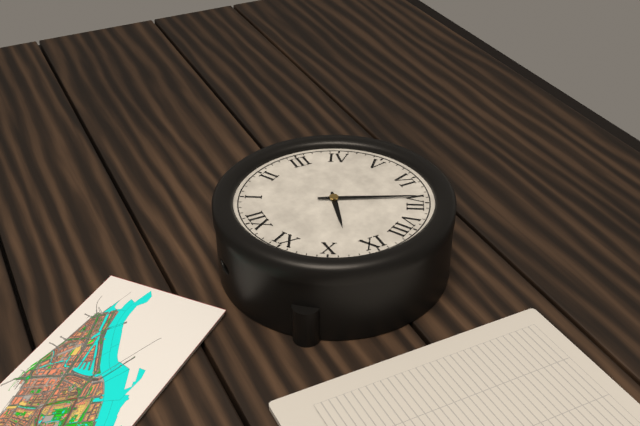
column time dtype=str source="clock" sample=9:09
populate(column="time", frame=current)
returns 9:34
